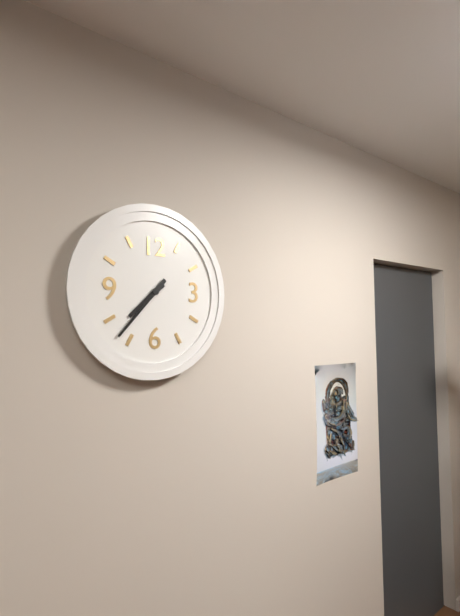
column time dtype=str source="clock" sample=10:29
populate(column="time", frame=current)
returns 7:37
